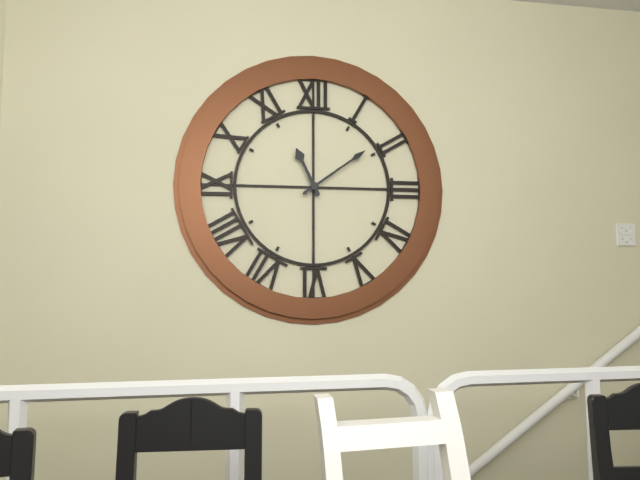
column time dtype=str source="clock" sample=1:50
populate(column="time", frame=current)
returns 11:09
